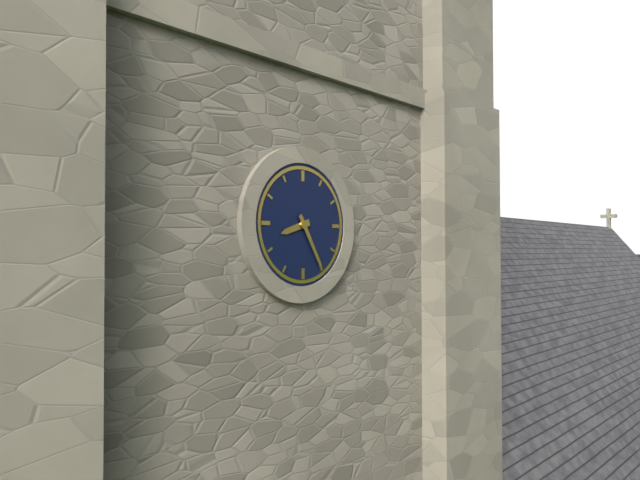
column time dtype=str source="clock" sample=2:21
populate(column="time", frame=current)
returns 8:25
